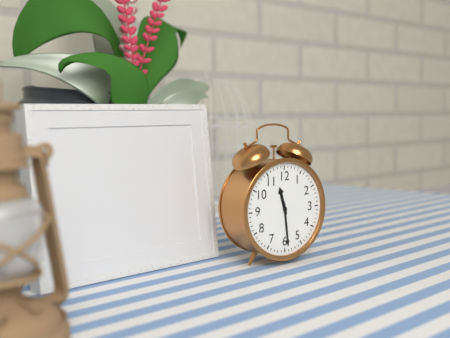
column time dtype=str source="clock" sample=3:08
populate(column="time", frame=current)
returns 11:29
